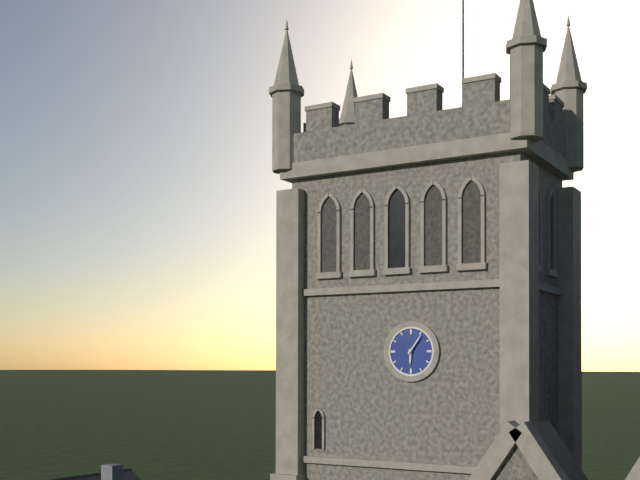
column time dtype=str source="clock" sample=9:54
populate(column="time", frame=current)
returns 6:06
